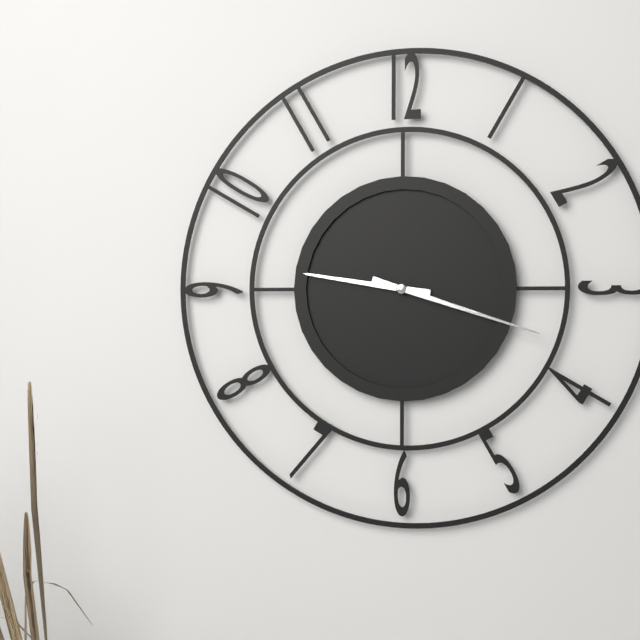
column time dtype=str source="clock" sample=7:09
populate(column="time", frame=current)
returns 9:18
